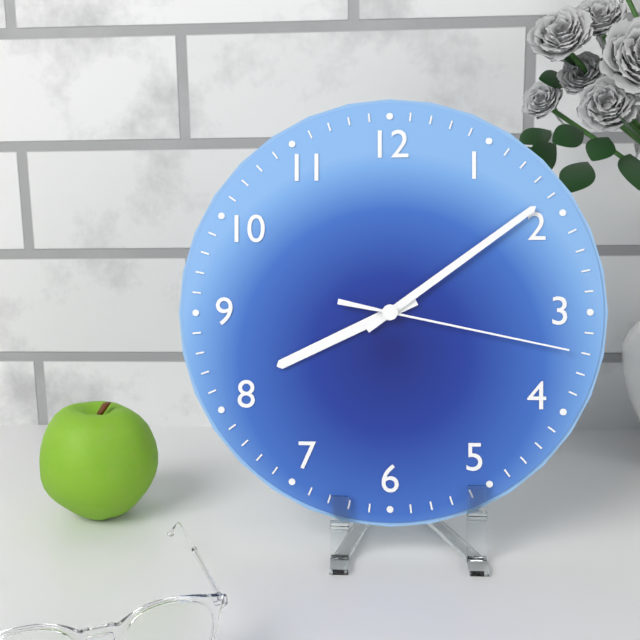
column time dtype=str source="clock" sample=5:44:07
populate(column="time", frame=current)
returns 8:09:17
